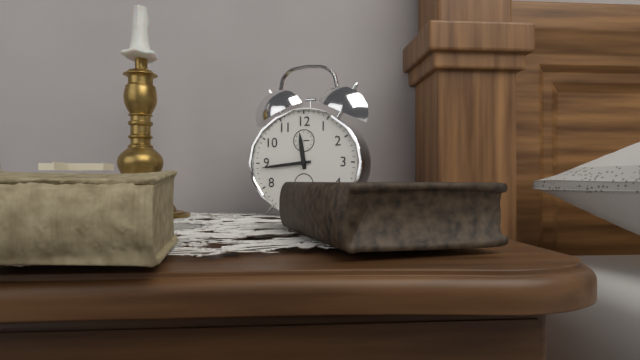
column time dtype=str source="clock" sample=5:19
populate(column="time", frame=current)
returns 11:44
